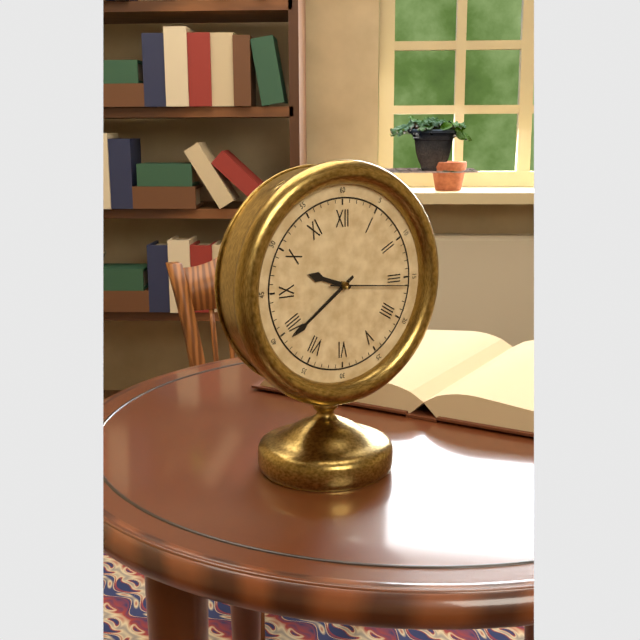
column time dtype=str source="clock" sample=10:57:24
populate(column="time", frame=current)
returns 9:39:16
